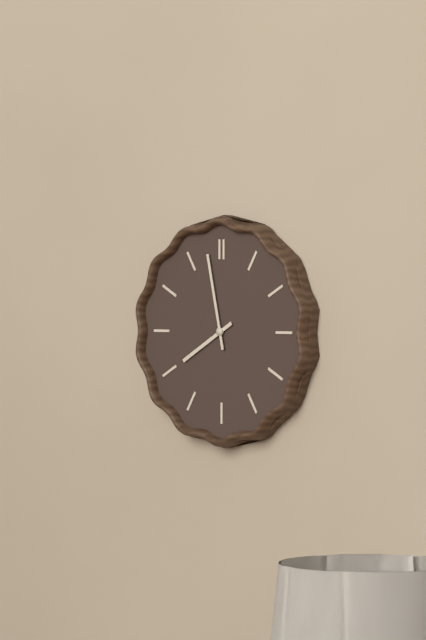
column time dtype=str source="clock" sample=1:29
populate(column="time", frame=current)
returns 7:58
